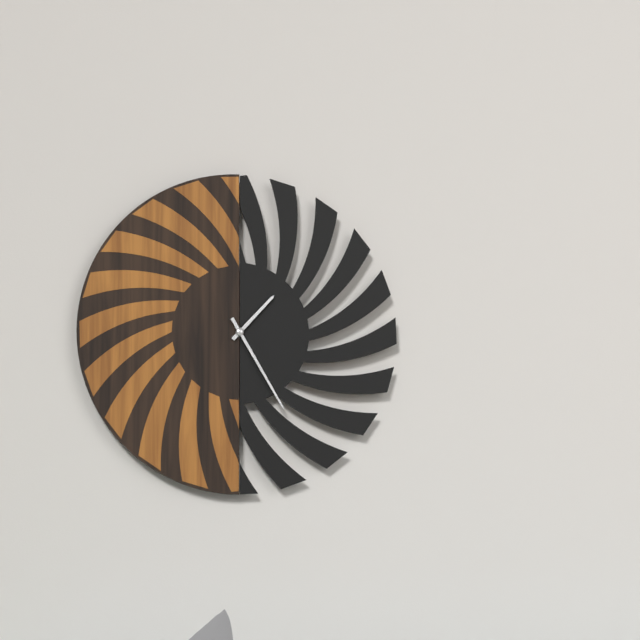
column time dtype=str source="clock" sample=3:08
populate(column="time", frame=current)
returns 1:25
